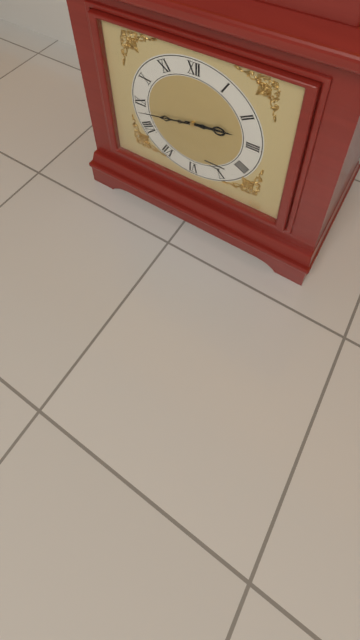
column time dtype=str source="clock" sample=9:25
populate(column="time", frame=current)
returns 2:43
